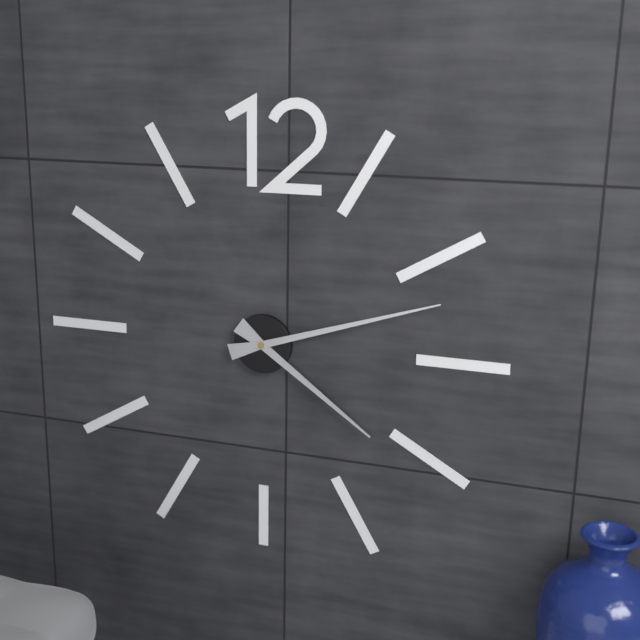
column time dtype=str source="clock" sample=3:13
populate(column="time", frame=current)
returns 4:12
